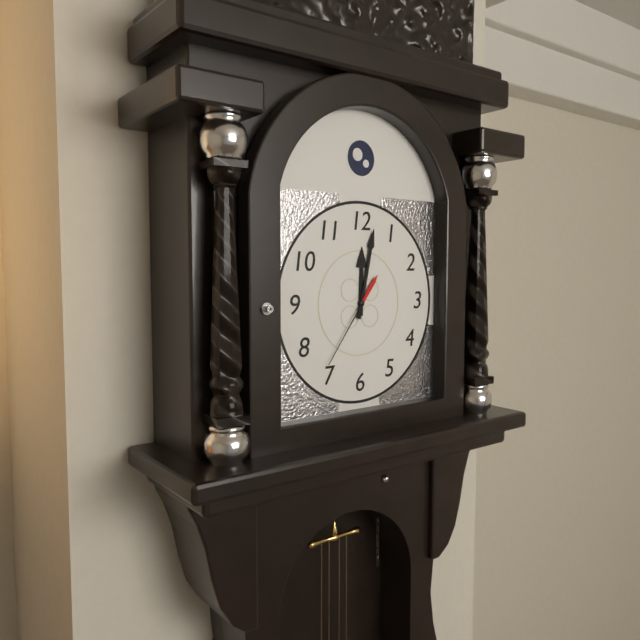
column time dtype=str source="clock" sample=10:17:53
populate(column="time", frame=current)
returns 12:02:36
